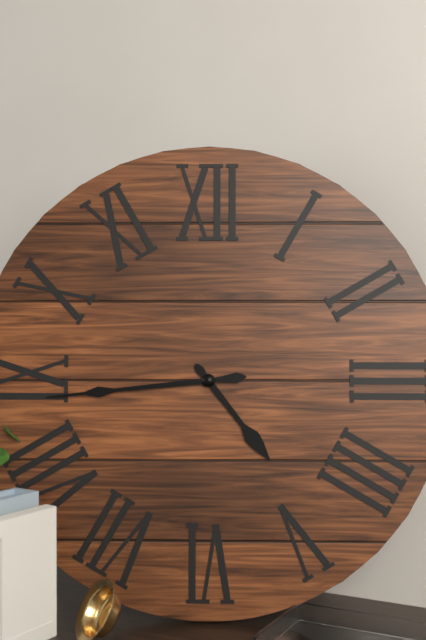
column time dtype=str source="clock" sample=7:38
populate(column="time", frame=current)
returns 4:44
